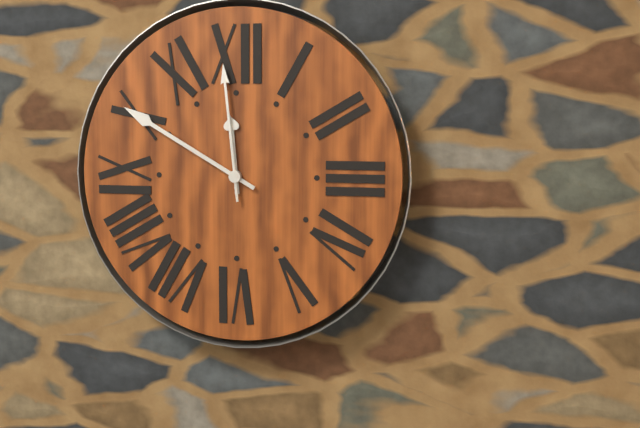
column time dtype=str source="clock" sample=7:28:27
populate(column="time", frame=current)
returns 11:50:59
